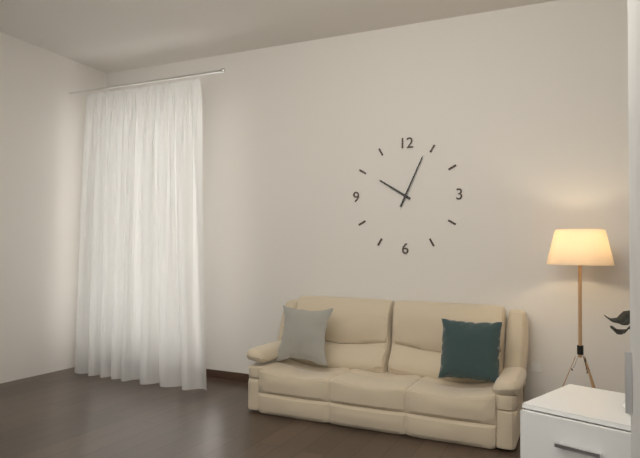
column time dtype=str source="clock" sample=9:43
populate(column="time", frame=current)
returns 10:04
